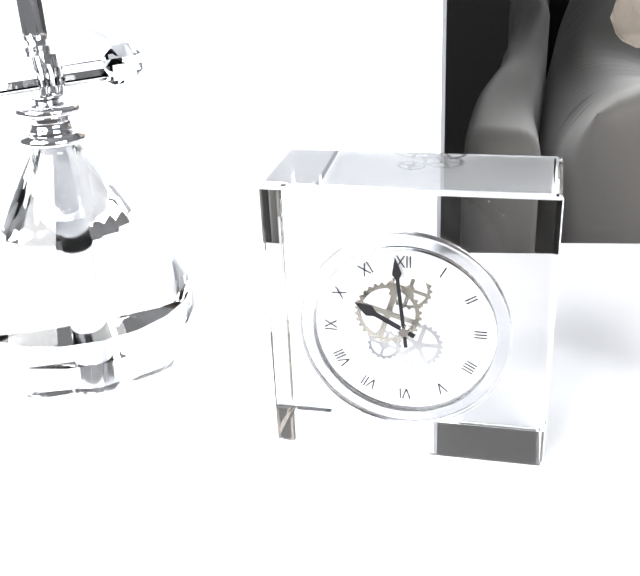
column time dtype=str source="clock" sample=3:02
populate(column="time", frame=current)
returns 9:59
